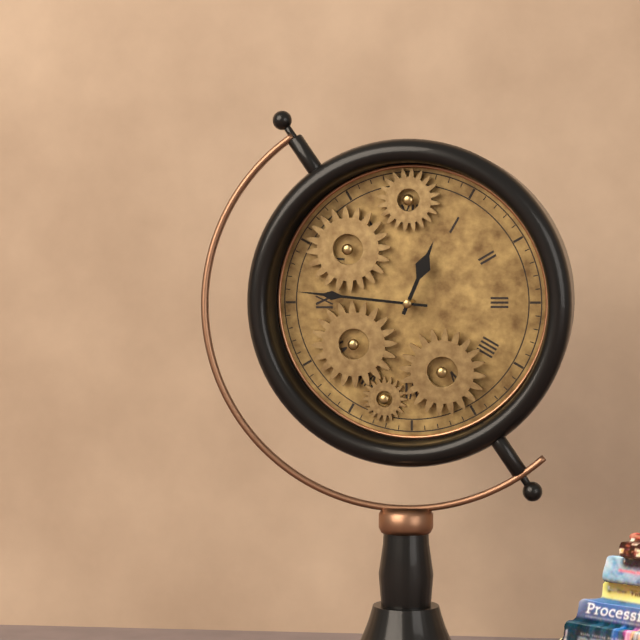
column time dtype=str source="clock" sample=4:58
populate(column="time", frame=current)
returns 12:46
